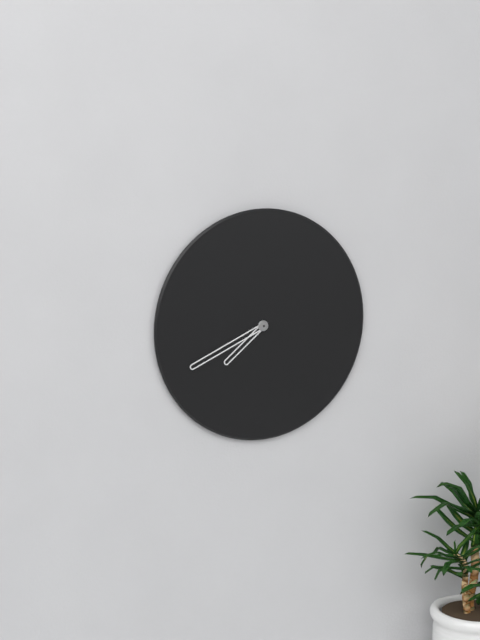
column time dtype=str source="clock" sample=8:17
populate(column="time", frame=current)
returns 7:41
